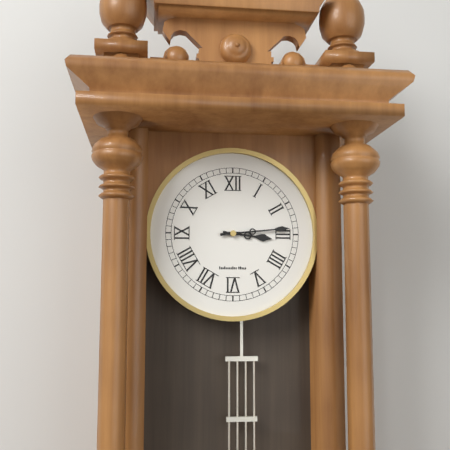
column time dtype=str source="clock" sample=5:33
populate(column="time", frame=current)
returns 3:14
